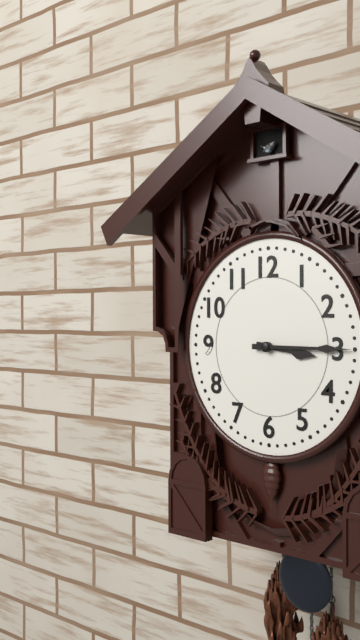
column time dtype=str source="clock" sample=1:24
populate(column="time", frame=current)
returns 3:15
